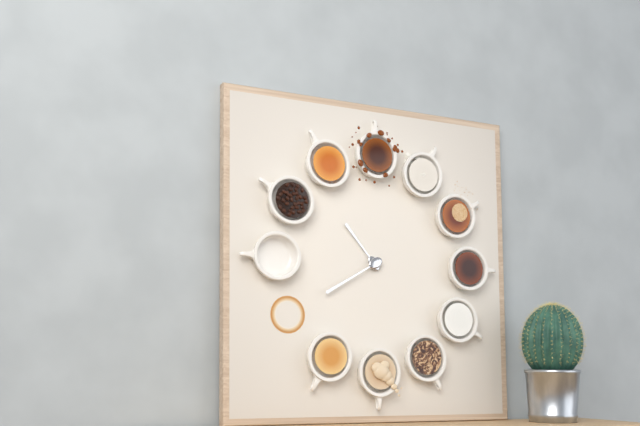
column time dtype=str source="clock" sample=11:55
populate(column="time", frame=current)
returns 10:40
